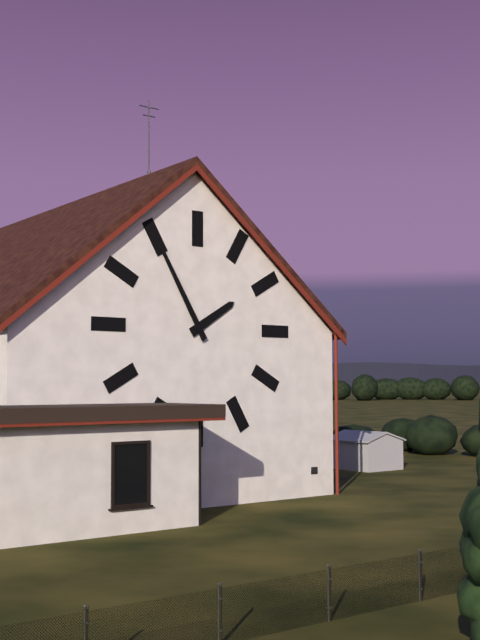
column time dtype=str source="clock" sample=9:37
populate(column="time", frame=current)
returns 1:55
